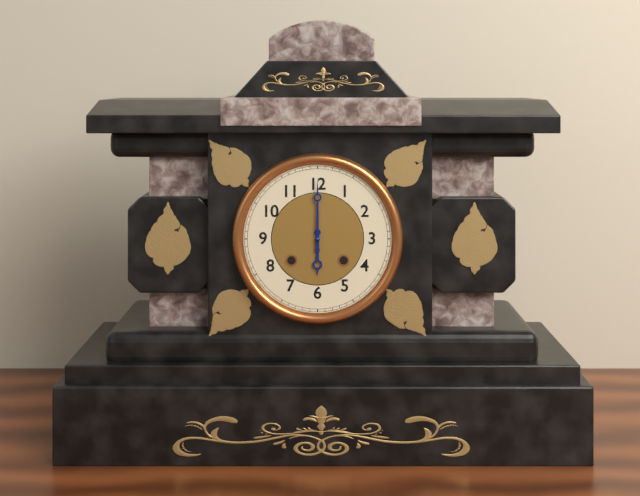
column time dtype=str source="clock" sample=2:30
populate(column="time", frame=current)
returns 6:00
